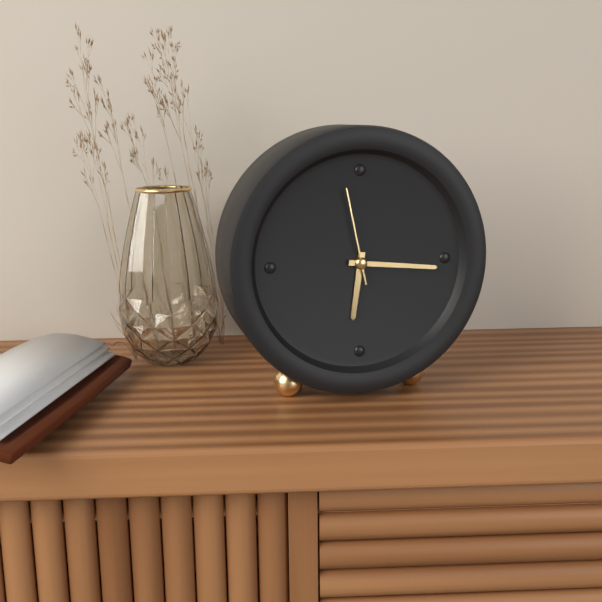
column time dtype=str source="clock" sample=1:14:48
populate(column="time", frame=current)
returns 6:16:58
